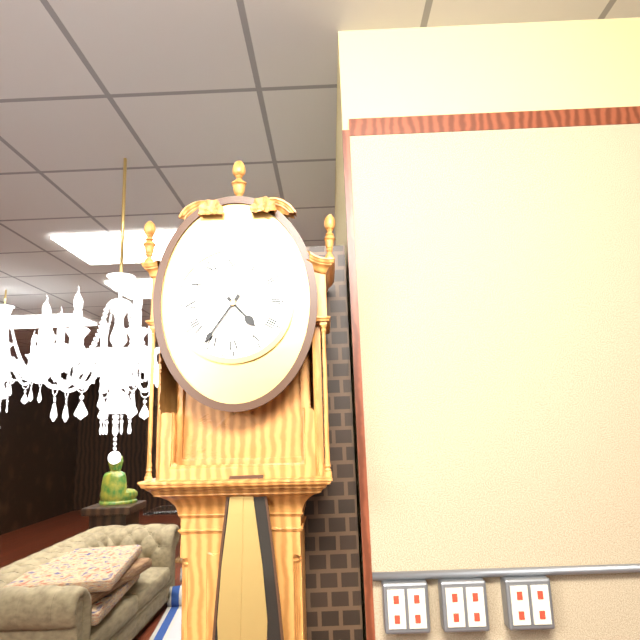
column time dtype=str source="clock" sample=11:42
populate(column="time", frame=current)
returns 4:36
